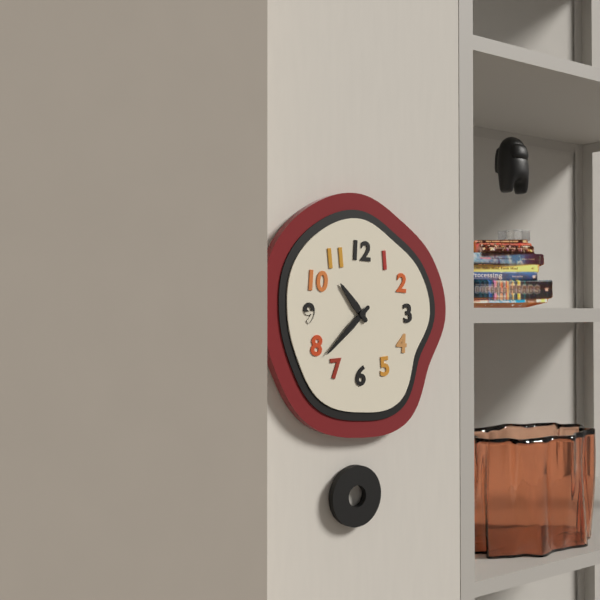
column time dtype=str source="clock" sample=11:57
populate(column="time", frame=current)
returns 10:38
